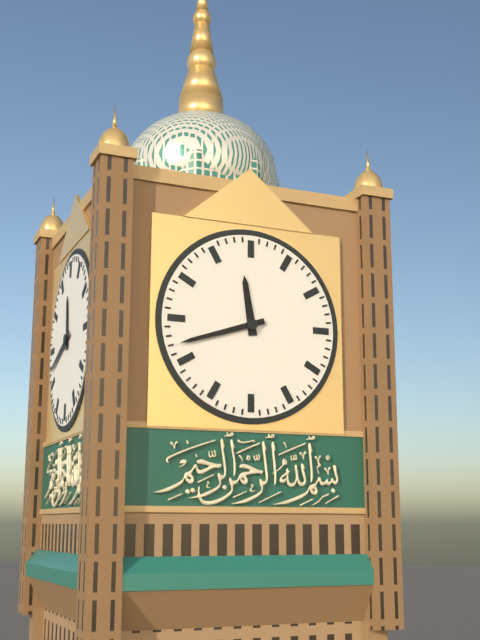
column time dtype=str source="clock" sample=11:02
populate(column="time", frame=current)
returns 11:42
